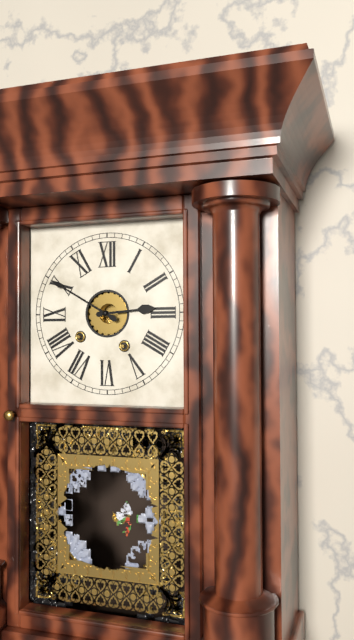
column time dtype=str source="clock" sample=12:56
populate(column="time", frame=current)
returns 2:50
